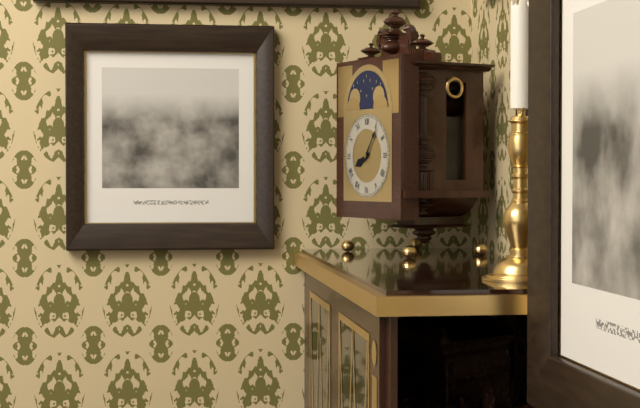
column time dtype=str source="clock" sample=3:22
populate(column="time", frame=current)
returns 8:06
